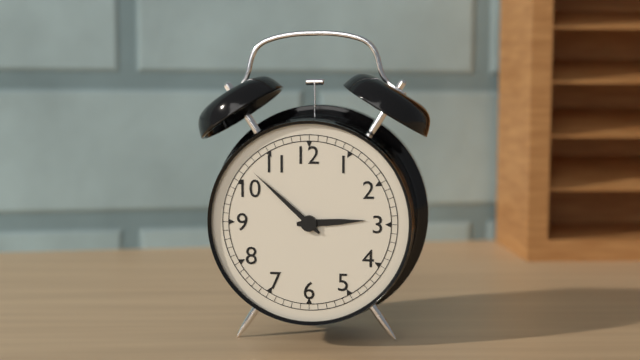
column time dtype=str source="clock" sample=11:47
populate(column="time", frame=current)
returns 2:52
